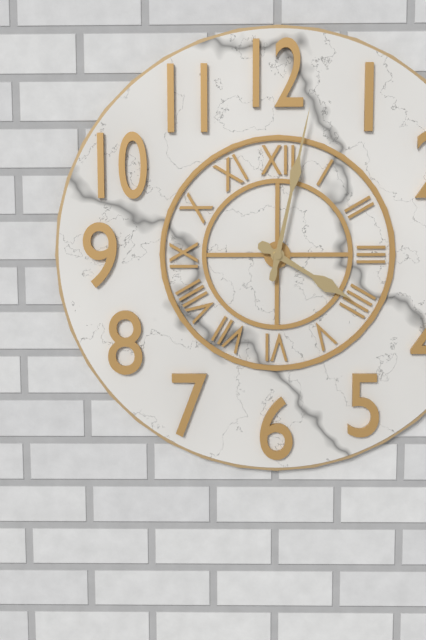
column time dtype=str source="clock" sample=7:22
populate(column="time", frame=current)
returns 4:02
